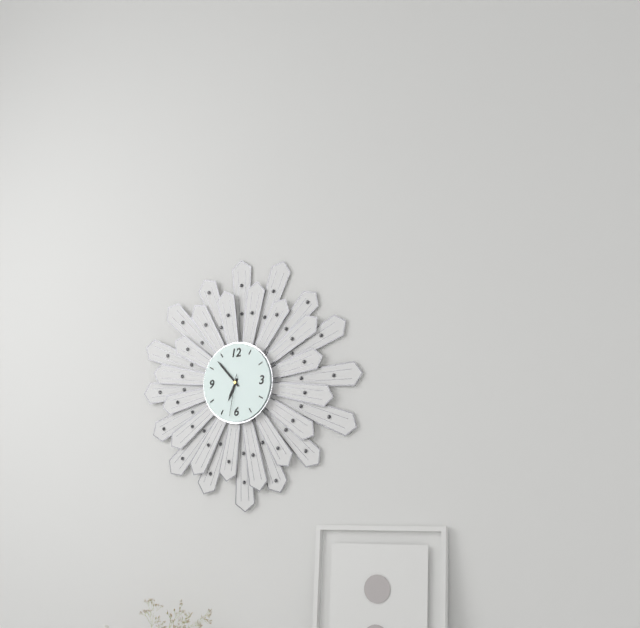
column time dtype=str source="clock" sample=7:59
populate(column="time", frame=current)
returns 6:53
